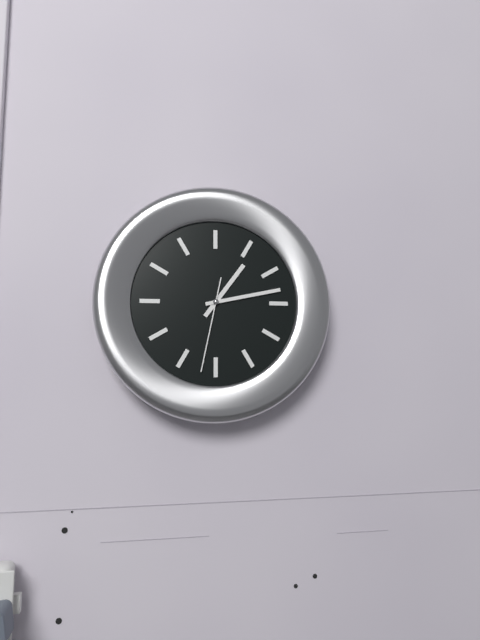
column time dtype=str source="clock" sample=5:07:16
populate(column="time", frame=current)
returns 1:13:32
